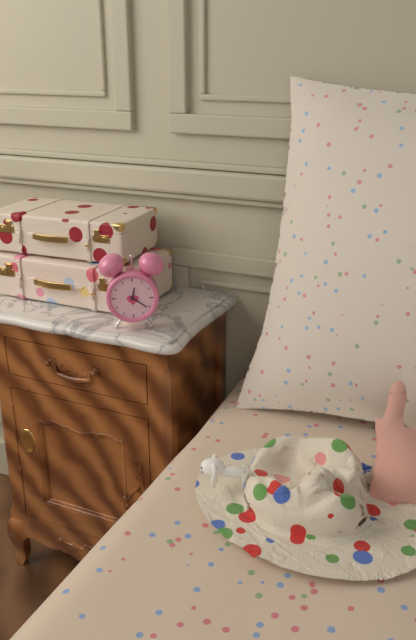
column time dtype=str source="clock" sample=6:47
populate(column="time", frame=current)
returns 12:21
